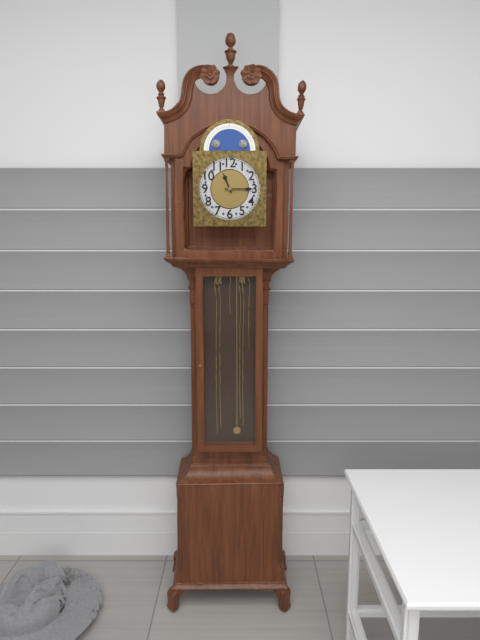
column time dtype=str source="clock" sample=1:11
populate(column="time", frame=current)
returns 11:15
